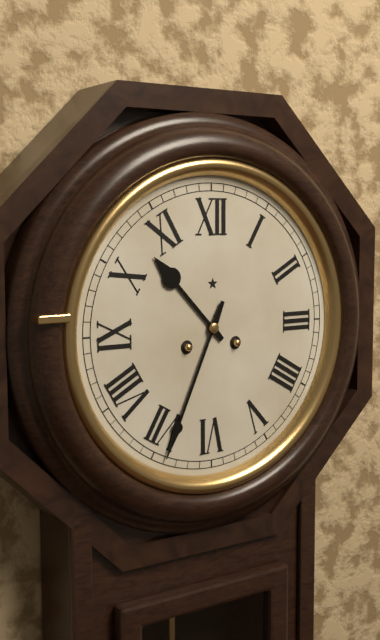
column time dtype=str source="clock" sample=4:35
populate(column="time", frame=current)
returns 10:34
